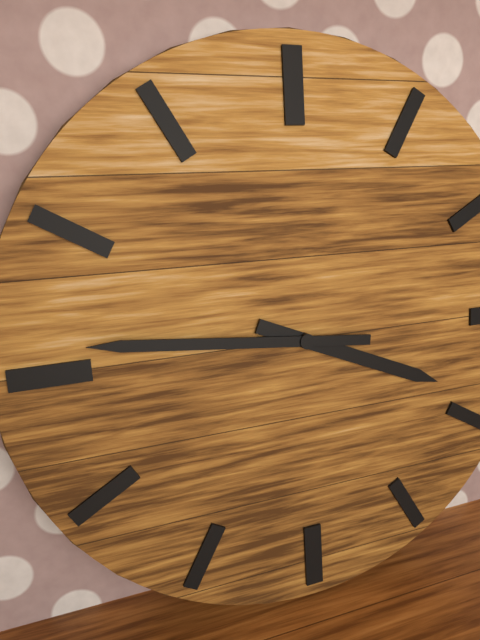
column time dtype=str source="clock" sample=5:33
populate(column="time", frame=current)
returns 3:46
